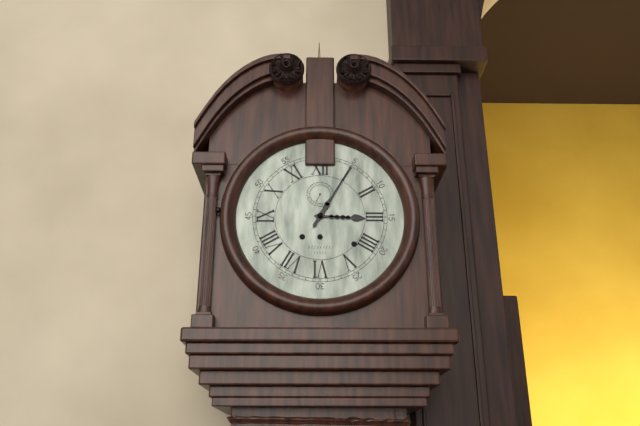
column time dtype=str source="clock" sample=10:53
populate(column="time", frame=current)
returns 3:05
